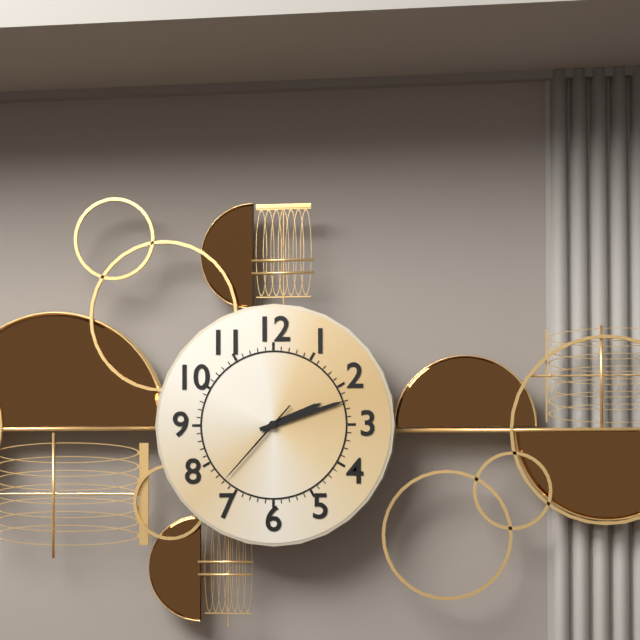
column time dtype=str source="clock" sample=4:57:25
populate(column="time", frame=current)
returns 2:12:37
